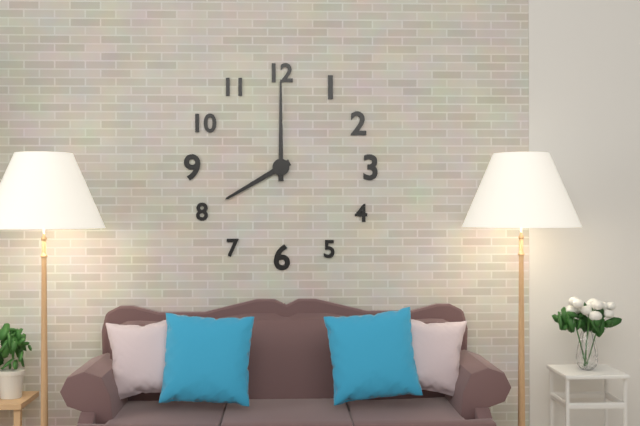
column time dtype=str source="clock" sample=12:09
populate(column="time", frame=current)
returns 8:00
